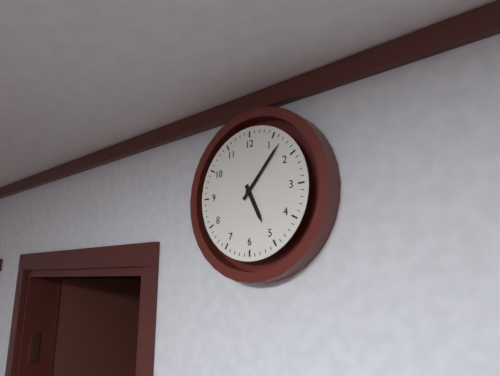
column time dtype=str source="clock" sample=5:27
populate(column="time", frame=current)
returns 5:07
